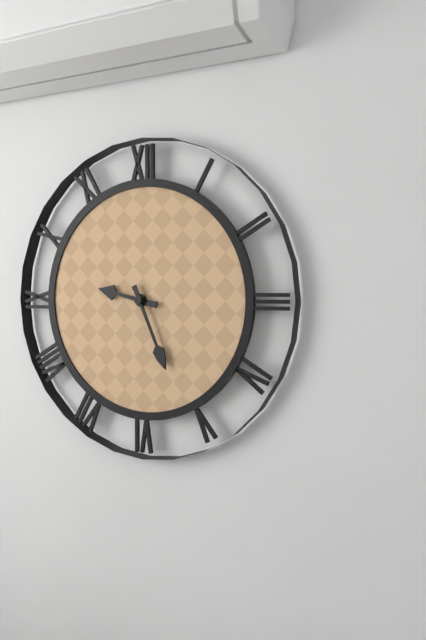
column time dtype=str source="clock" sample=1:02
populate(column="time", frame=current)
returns 9:26
